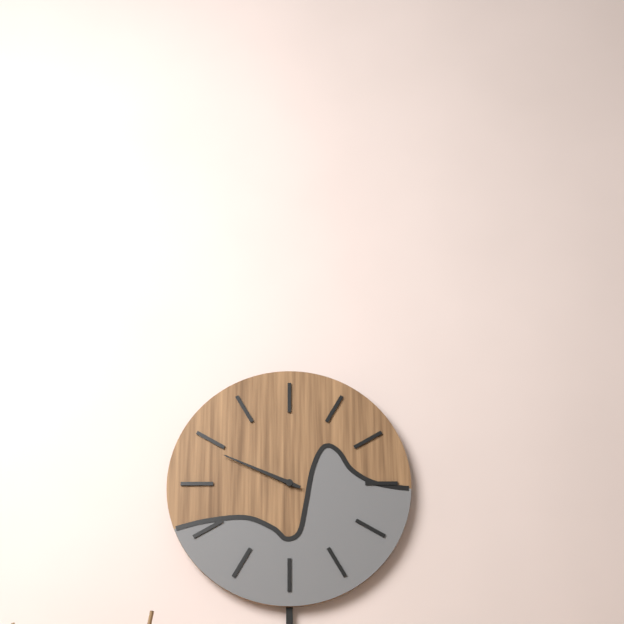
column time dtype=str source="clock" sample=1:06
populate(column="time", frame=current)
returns 9:49
